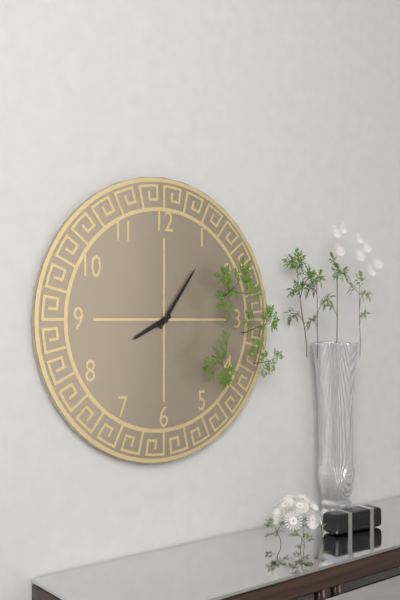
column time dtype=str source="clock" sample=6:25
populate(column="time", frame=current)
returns 8:06
